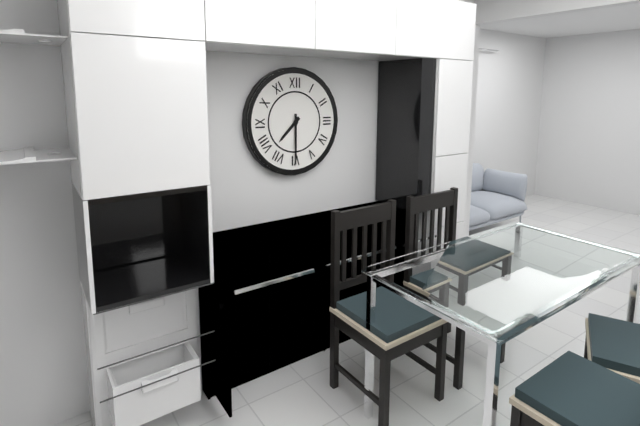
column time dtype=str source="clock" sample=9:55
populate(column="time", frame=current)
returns 7:30
